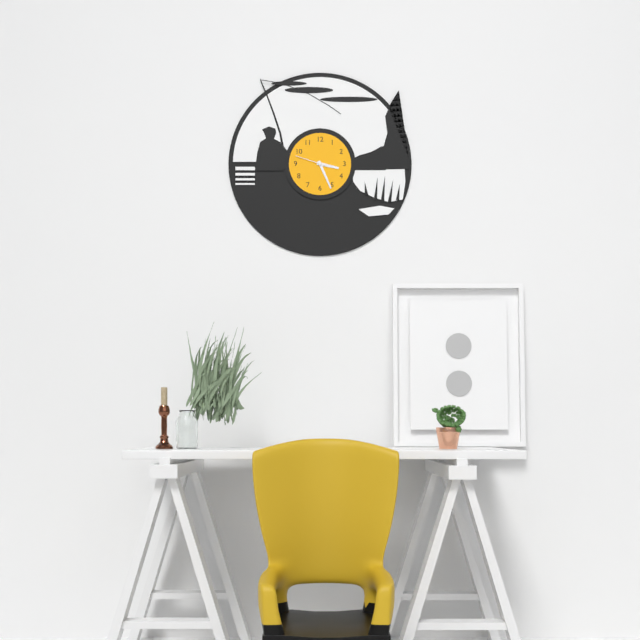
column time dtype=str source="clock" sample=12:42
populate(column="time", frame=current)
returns 3:26
